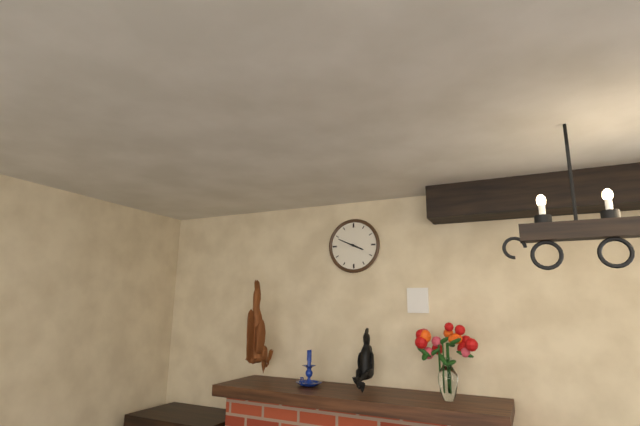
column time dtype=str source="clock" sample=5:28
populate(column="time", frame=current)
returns 3:49
